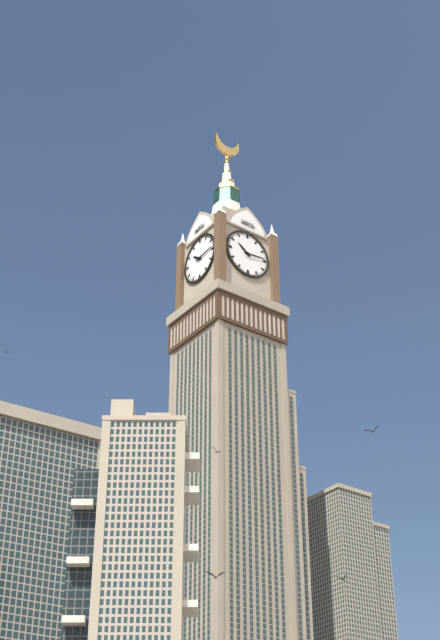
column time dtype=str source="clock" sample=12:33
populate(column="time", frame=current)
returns 10:14
